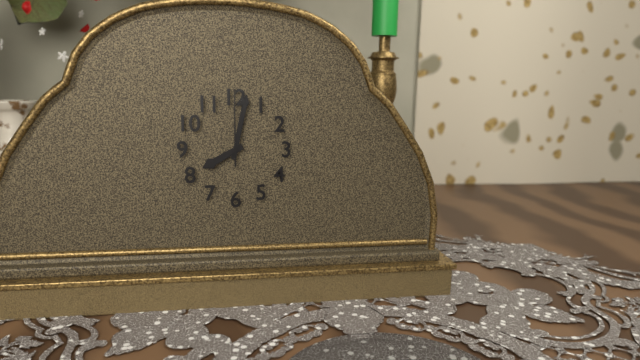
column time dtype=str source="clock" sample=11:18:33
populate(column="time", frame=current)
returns 8:02:00
